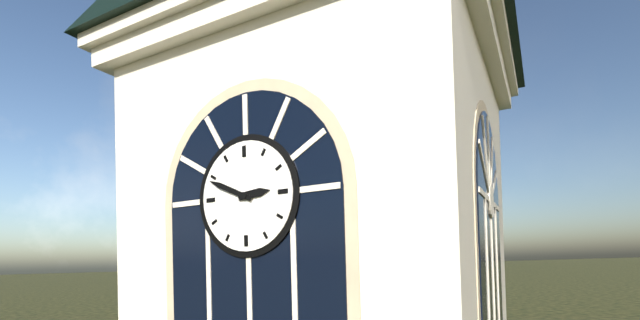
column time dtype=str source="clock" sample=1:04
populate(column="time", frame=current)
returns 2:49
